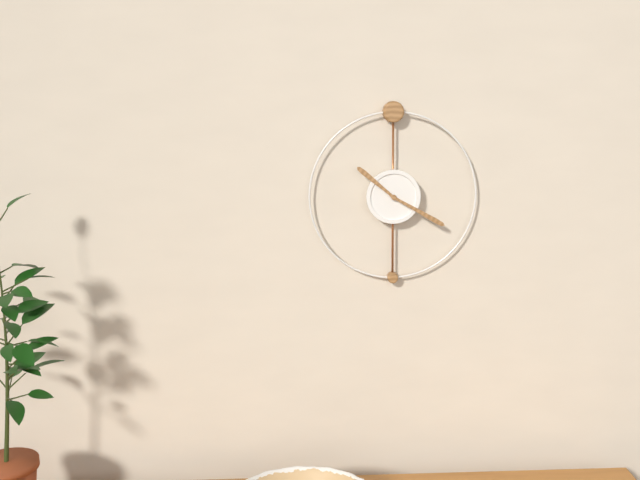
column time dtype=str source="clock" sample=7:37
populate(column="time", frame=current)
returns 10:20
